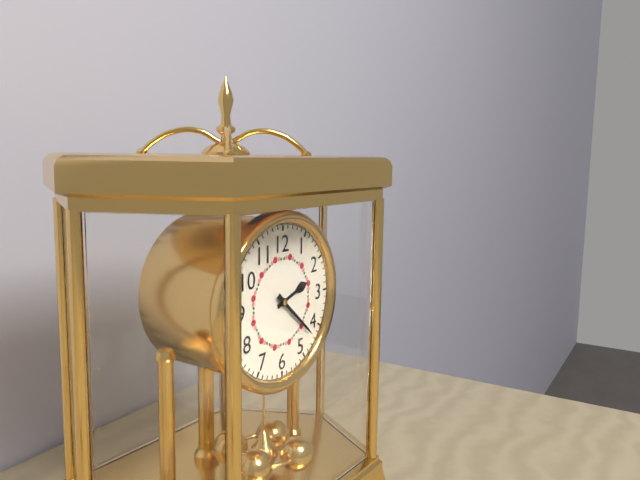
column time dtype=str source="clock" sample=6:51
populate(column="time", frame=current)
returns 2:22
